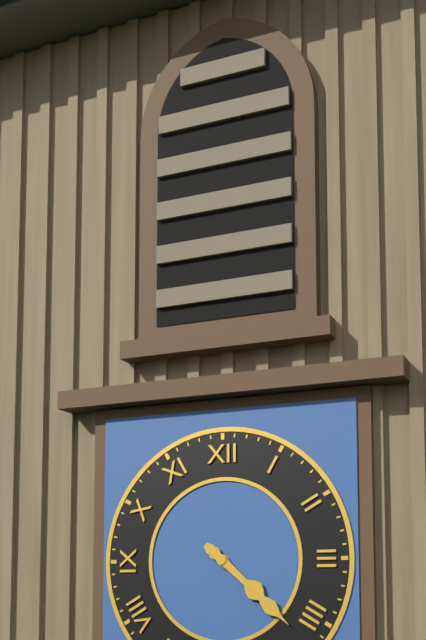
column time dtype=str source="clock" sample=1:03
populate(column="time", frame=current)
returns 4:22
